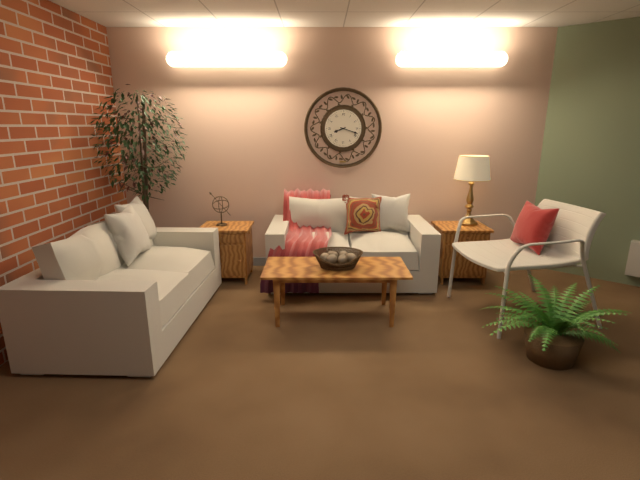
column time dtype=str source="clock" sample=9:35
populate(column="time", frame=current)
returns 8:18
